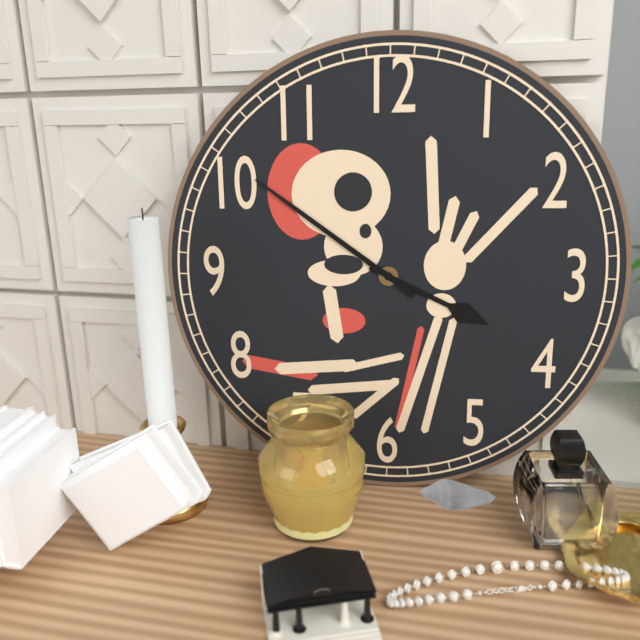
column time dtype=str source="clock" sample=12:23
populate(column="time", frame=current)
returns 3:51
